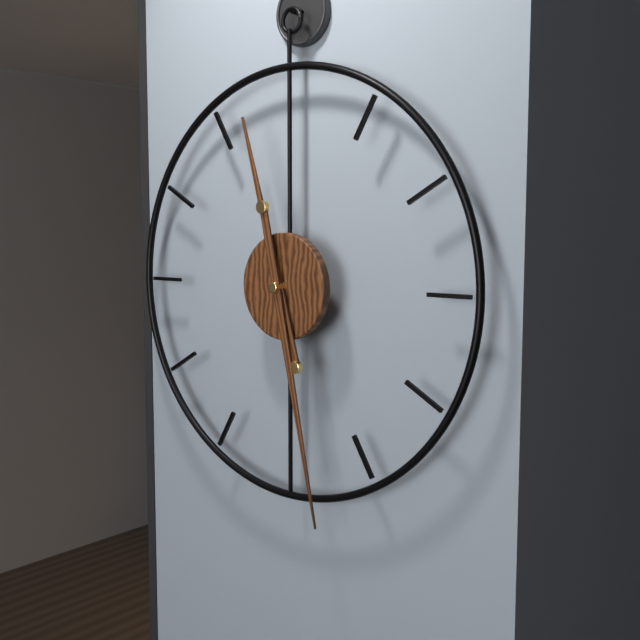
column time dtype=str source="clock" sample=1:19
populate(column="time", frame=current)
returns 11:28
